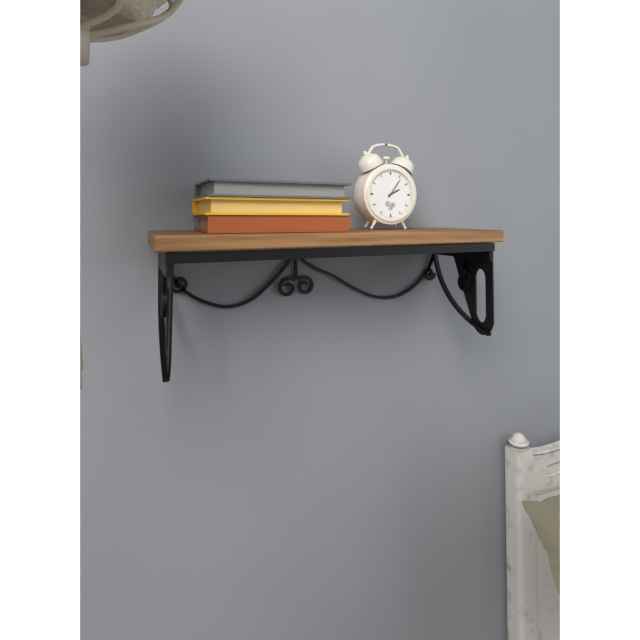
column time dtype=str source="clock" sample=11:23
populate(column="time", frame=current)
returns 2:06
